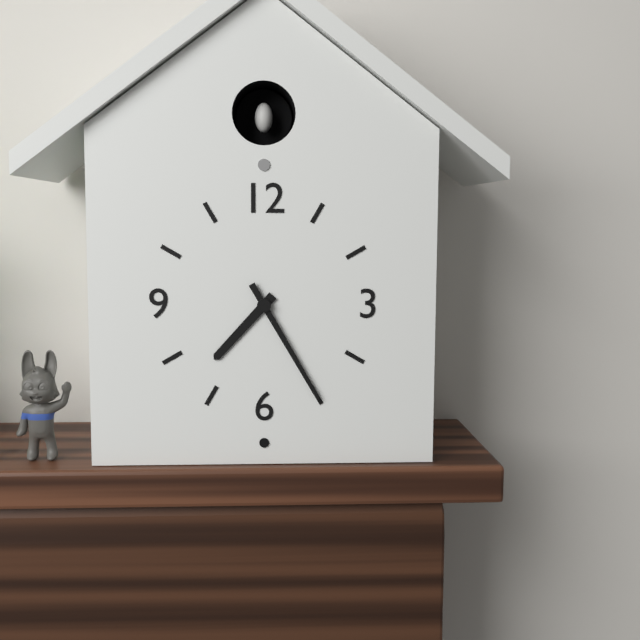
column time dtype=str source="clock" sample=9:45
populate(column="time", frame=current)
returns 7:25
